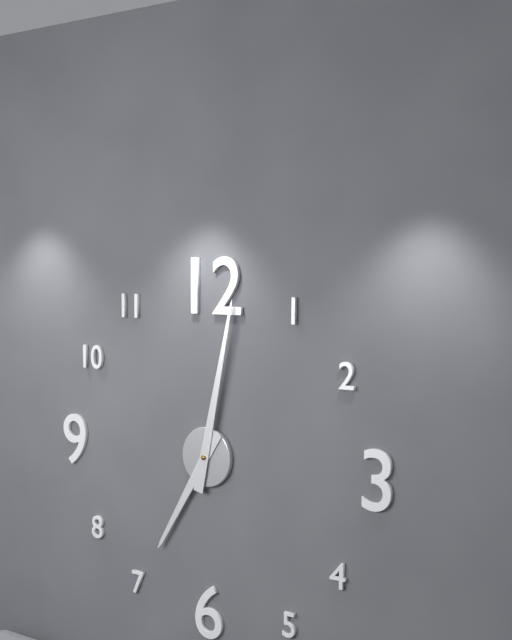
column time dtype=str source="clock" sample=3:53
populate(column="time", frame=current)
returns 7:02
